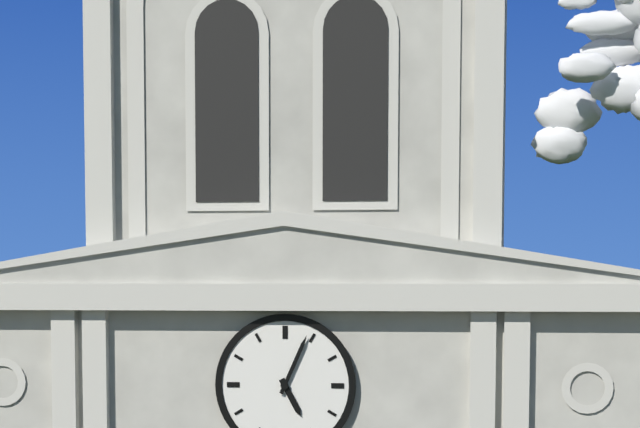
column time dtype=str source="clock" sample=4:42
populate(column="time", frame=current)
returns 5:04
